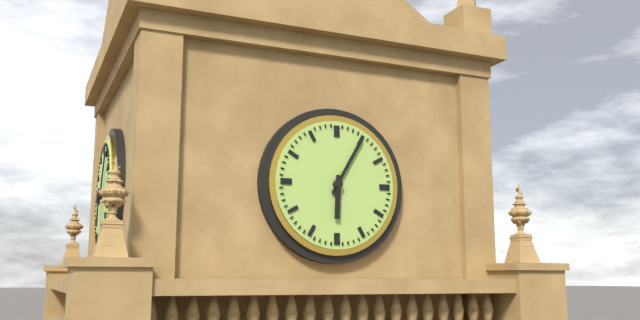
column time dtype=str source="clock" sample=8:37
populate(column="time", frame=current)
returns 6:05
